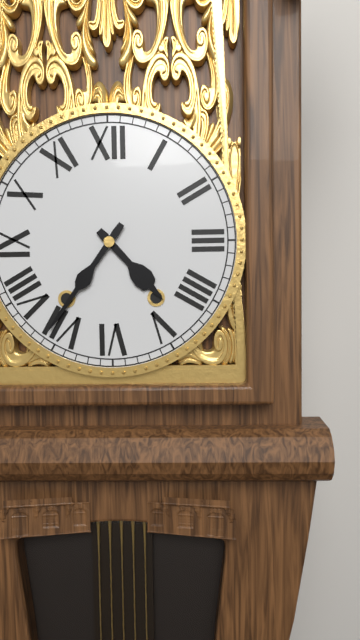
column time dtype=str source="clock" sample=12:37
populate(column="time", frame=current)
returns 4:36
